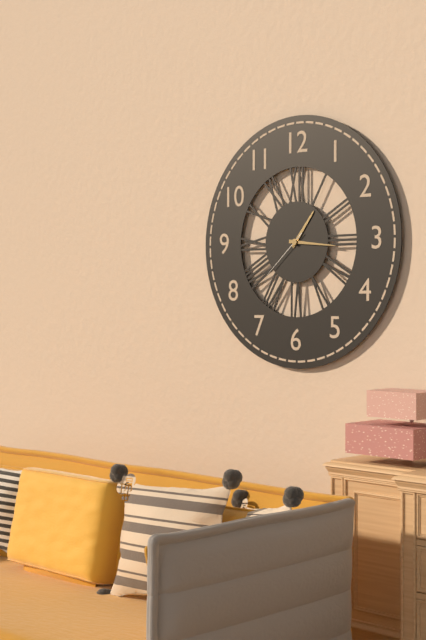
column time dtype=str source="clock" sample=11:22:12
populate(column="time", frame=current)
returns 1:16:38
